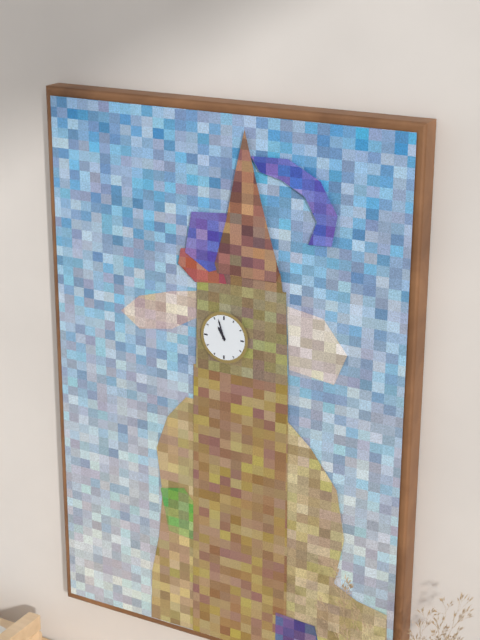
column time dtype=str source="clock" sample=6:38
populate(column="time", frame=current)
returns 10:57
